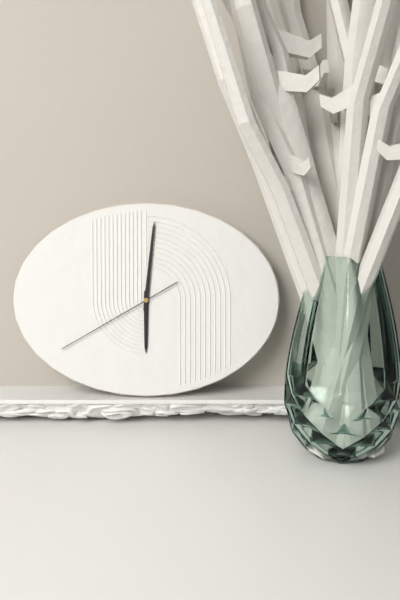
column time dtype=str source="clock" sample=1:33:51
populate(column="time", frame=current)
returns 6:01:40
